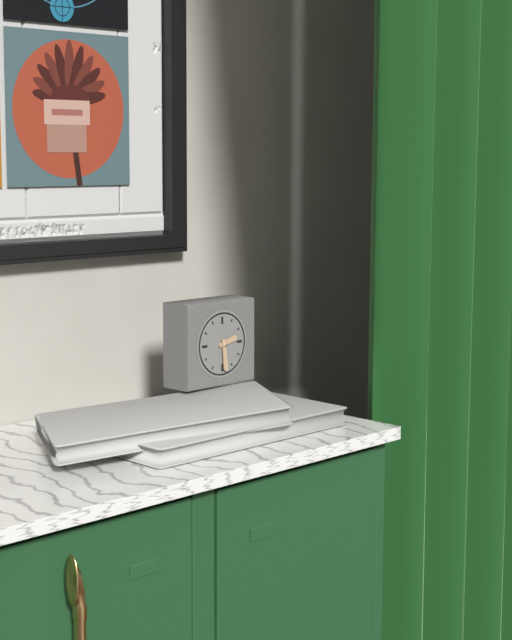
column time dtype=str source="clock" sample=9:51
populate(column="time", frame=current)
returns 2:29
